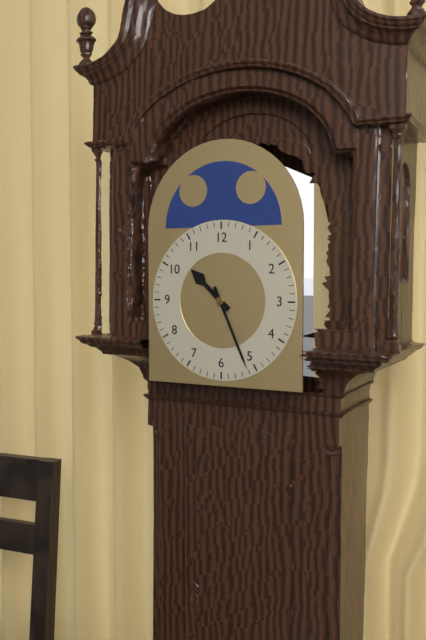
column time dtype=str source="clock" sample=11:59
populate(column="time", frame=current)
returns 10:26
